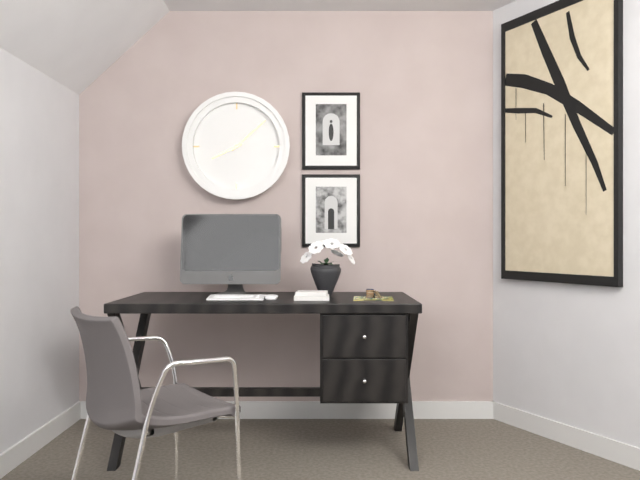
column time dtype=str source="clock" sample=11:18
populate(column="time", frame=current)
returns 8:08
